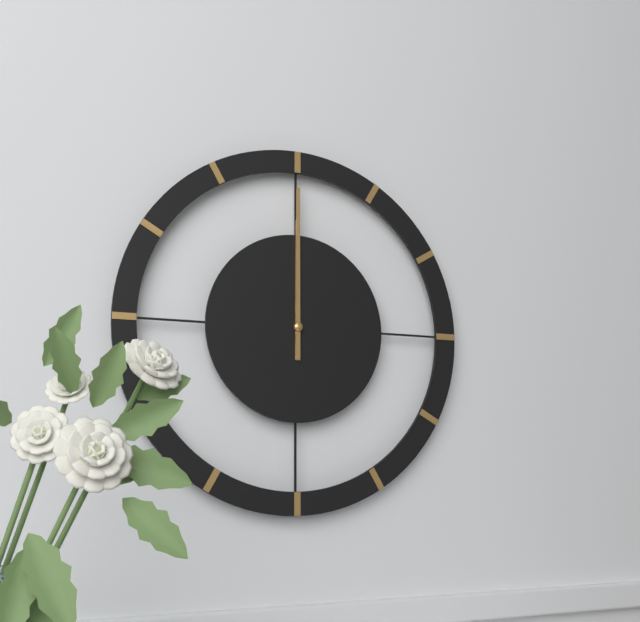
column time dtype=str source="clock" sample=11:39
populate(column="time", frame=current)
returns 12:00
